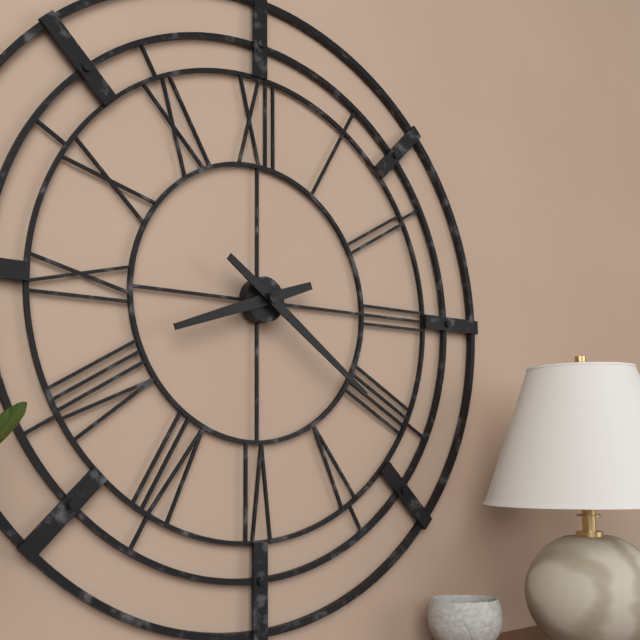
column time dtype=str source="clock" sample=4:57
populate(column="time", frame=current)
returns 8:21
